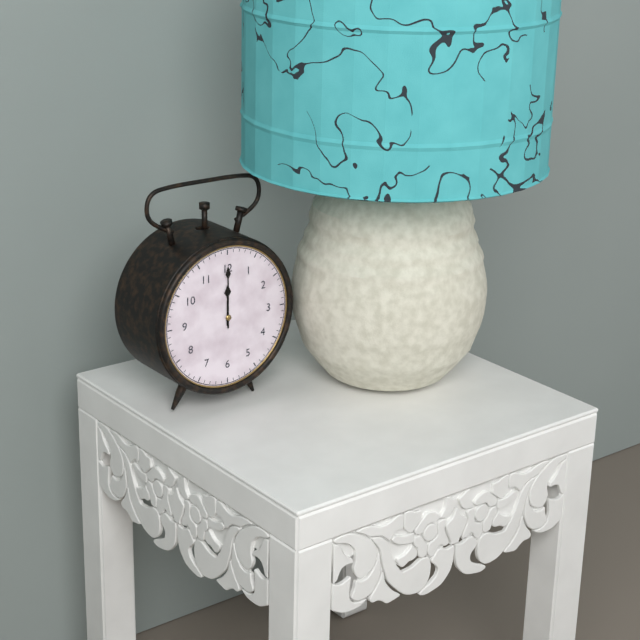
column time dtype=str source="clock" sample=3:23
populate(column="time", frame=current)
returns 12:00
